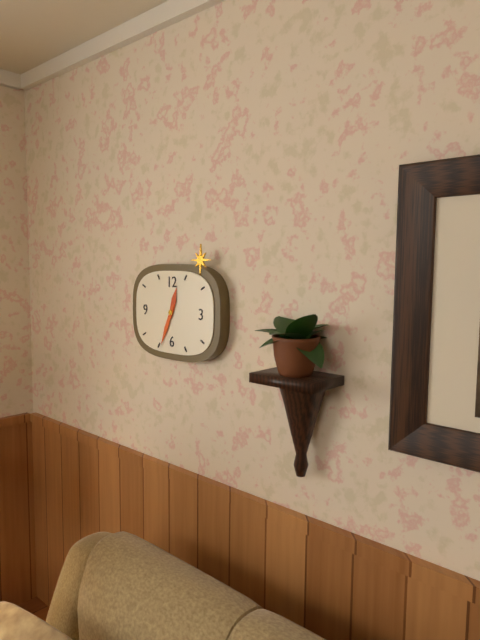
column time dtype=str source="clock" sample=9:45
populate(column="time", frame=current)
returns 12:34
